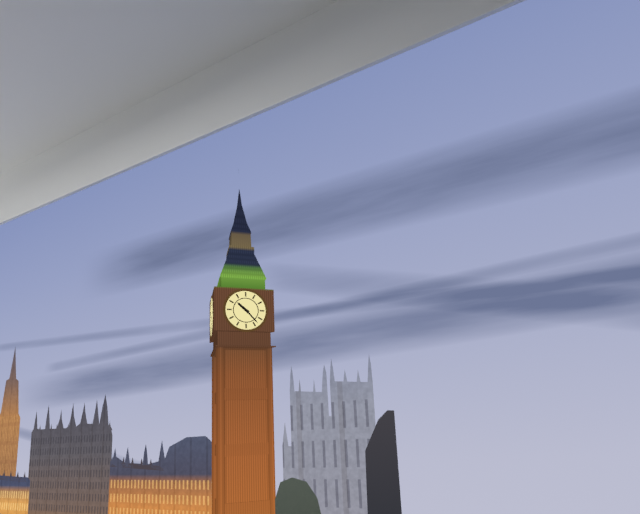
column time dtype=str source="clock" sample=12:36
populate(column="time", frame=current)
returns 10:23
